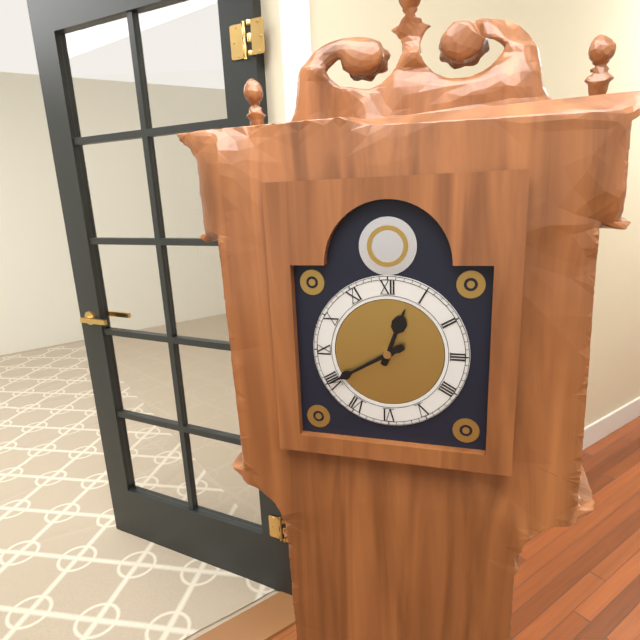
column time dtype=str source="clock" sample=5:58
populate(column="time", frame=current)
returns 12:40
